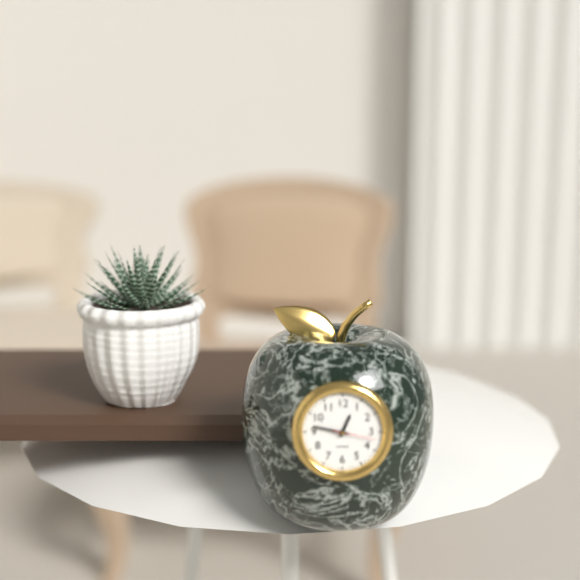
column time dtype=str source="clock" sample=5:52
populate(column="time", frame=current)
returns 12:47
